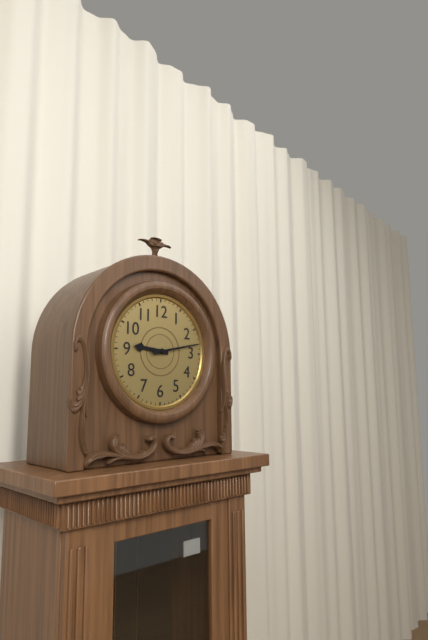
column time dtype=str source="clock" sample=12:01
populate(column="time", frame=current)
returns 9:13
